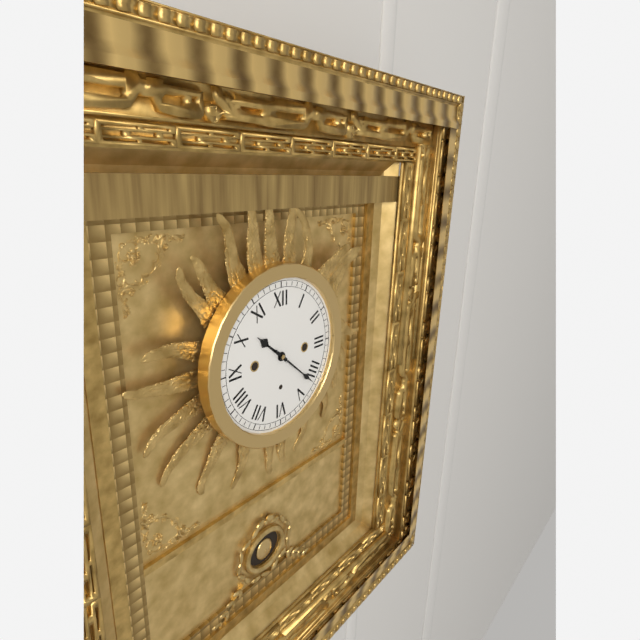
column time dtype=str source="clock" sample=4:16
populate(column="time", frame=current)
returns 10:22
